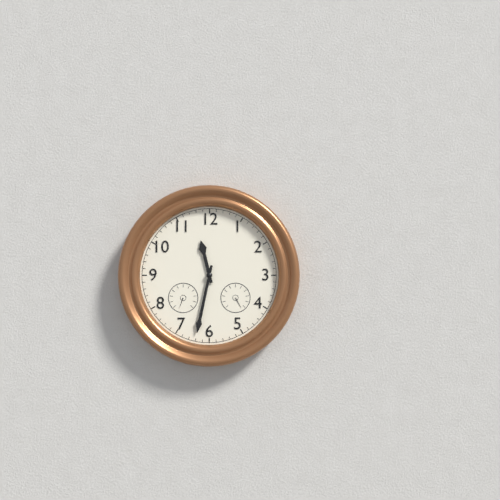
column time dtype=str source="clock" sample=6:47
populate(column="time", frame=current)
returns 11:32
